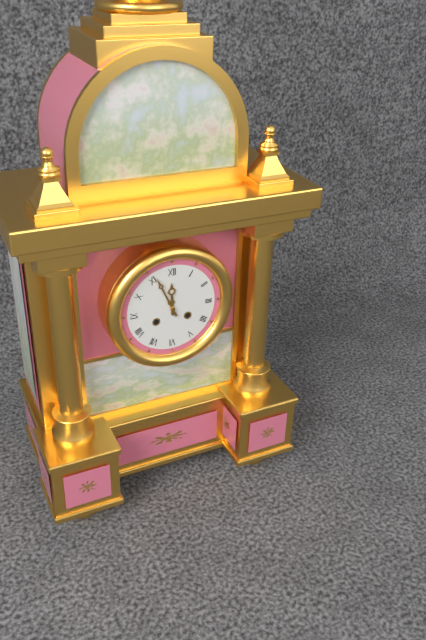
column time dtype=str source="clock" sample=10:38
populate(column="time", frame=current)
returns 11:56
